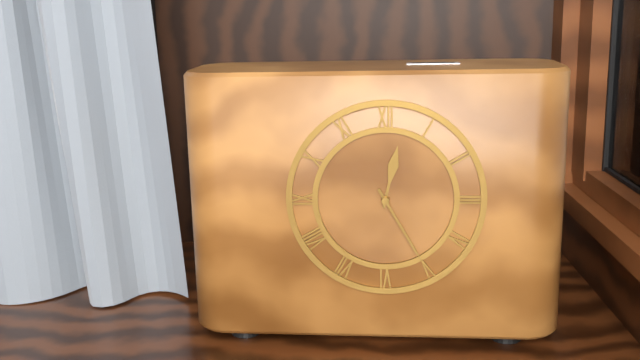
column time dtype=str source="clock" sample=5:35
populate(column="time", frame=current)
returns 12:25
